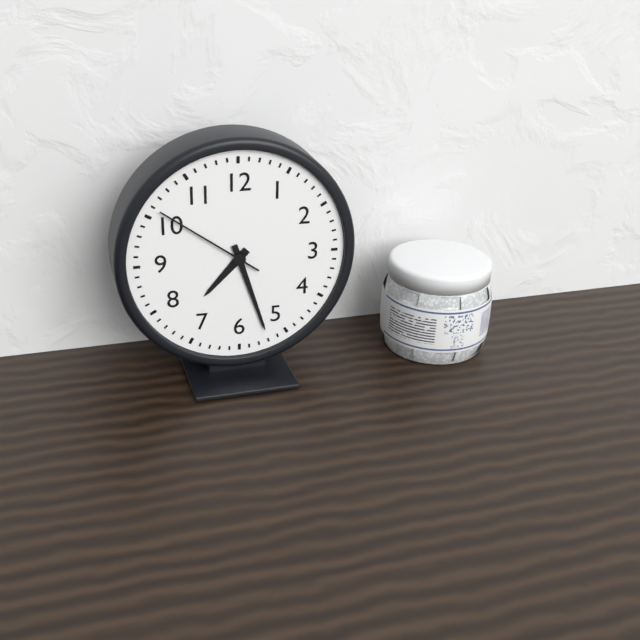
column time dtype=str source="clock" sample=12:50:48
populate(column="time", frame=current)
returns 7:27:51
